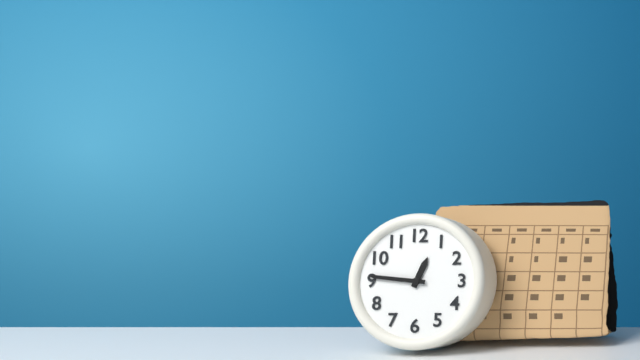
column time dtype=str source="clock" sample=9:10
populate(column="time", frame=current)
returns 12:46
